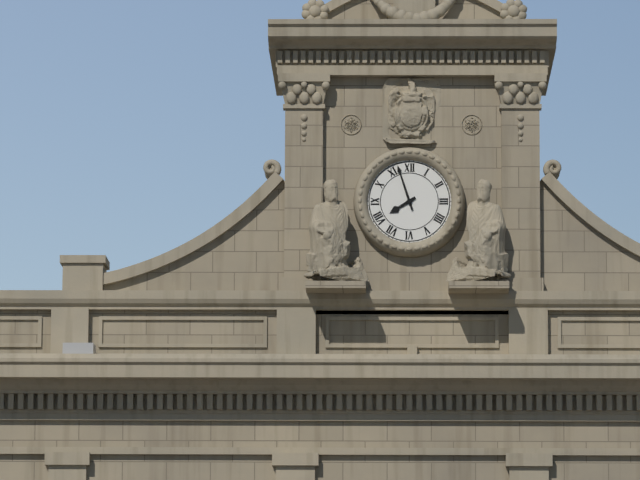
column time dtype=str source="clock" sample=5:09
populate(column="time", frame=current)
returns 7:57
